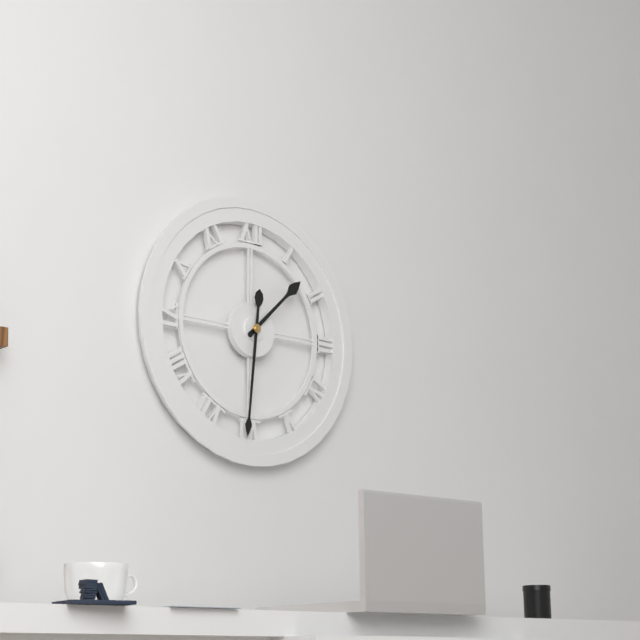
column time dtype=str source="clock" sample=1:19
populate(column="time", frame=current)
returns 1:31
